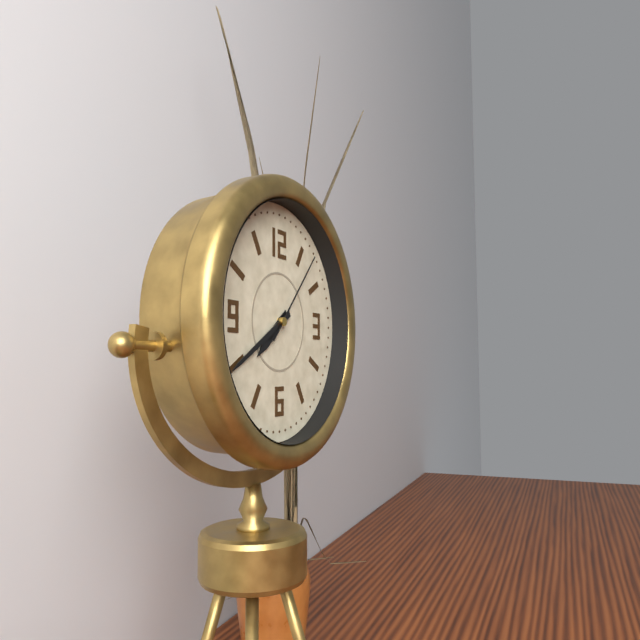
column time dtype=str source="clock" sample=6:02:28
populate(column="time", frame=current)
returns 7:40:07
